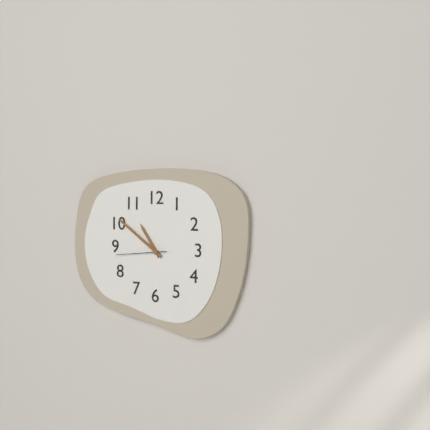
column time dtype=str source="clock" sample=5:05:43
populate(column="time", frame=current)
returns 10:51:44
